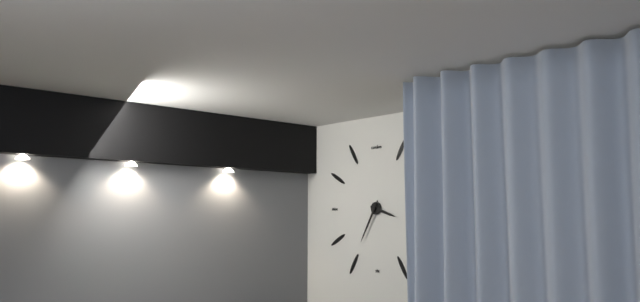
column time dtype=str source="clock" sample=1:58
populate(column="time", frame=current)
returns 3:35
